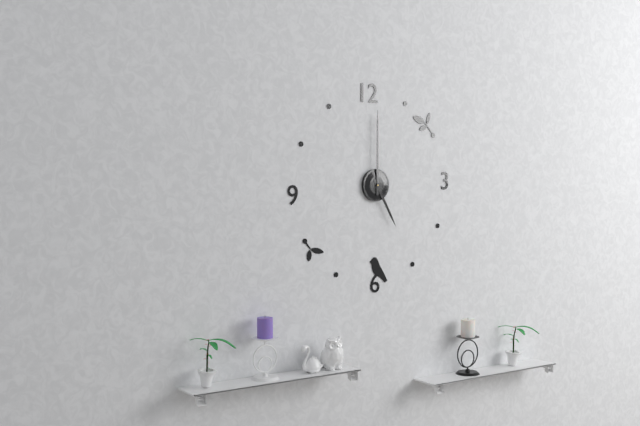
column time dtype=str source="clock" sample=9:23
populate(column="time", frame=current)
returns 5:00
